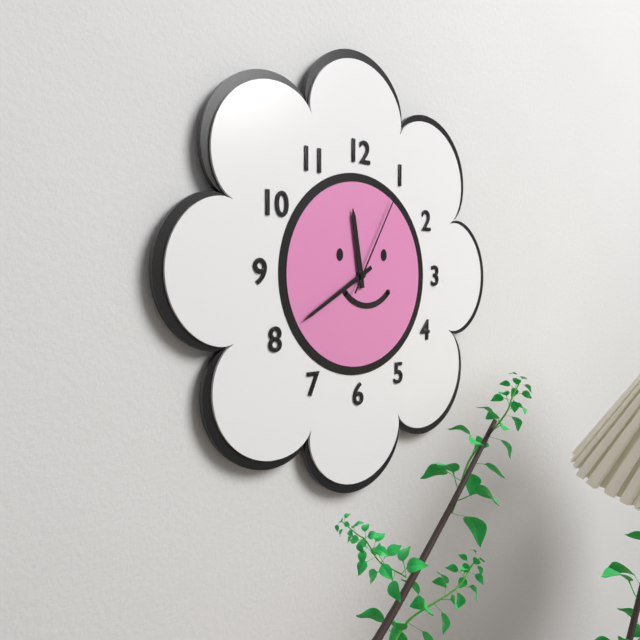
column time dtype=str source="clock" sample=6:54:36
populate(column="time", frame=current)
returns 11:40:05
